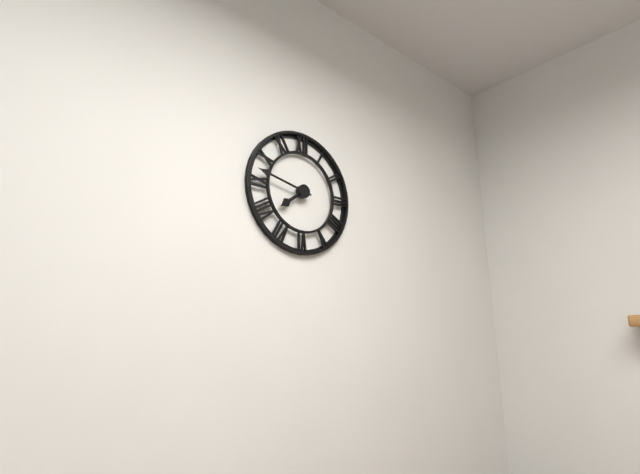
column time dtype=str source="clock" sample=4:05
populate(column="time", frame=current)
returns 7:47
